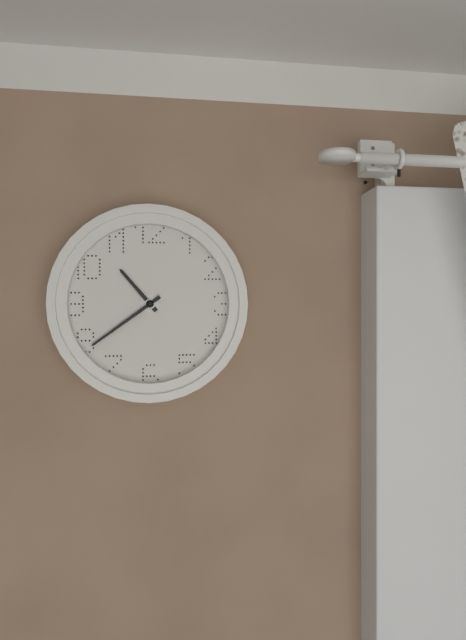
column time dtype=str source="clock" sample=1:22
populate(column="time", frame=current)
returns 10:39
